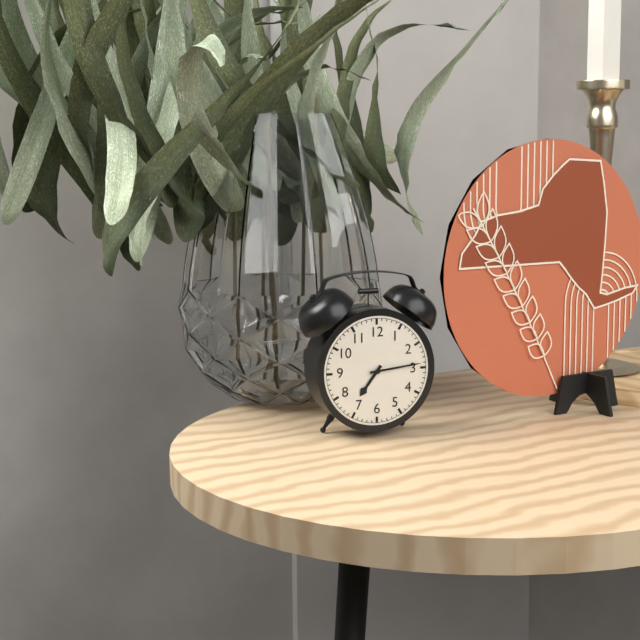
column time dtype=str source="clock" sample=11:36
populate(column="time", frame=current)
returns 7:14
